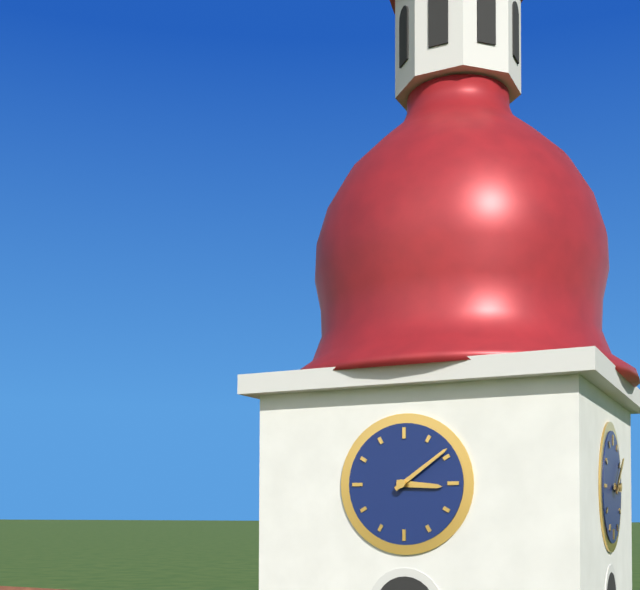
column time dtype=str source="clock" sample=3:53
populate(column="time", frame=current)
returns 3:09
